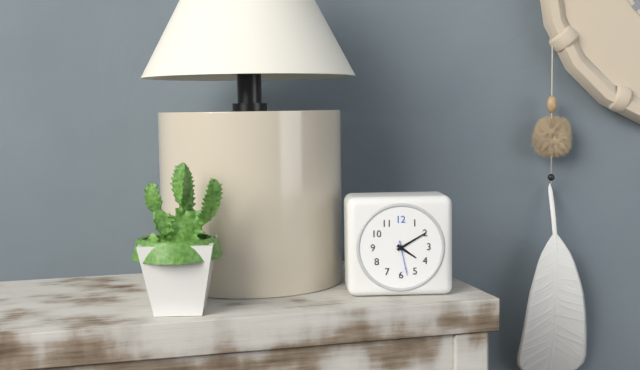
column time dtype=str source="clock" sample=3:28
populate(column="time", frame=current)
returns 4:10
